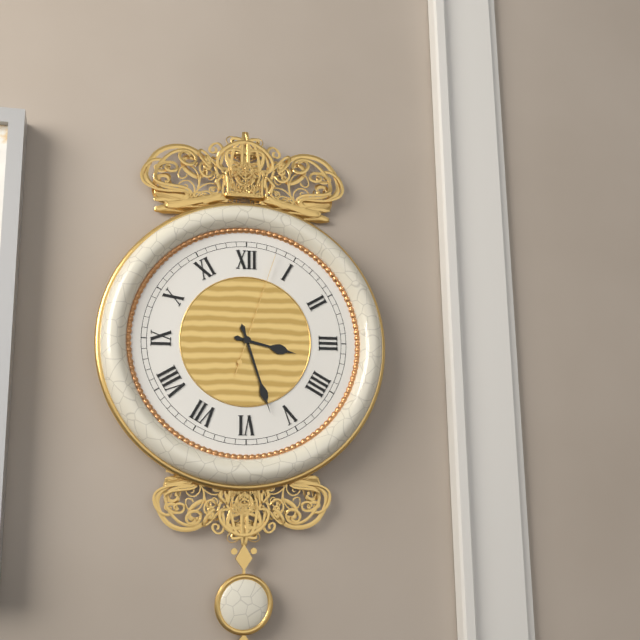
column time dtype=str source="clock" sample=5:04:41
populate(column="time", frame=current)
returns 3:27:03
